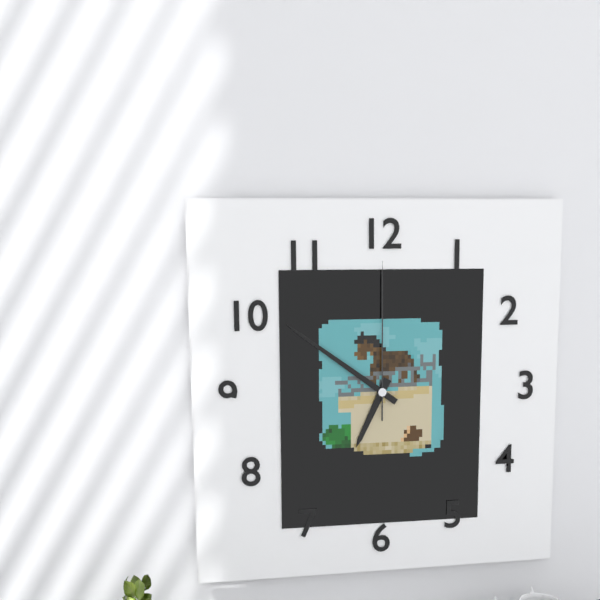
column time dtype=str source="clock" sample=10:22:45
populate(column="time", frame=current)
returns 6:51:00
